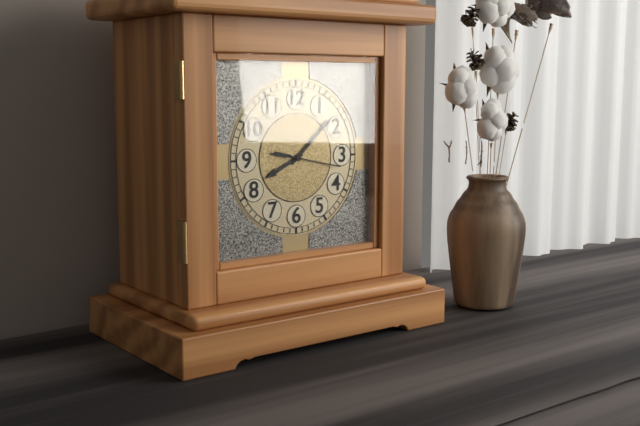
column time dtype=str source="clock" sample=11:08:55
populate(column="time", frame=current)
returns 8:08:17
